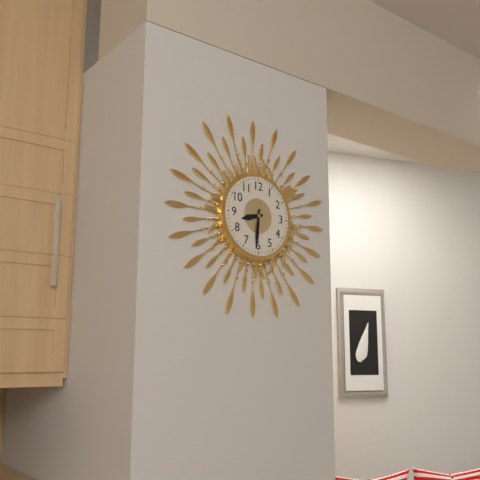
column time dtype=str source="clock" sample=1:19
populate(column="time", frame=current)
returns 8:31
